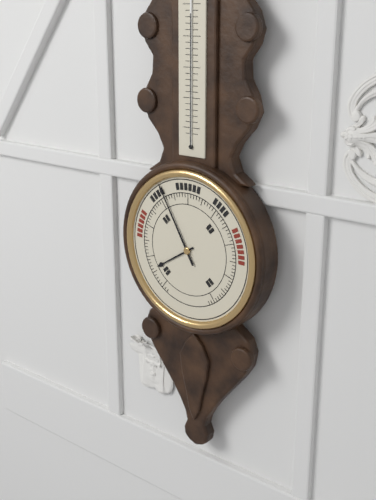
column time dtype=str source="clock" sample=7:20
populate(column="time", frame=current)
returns 7:55
